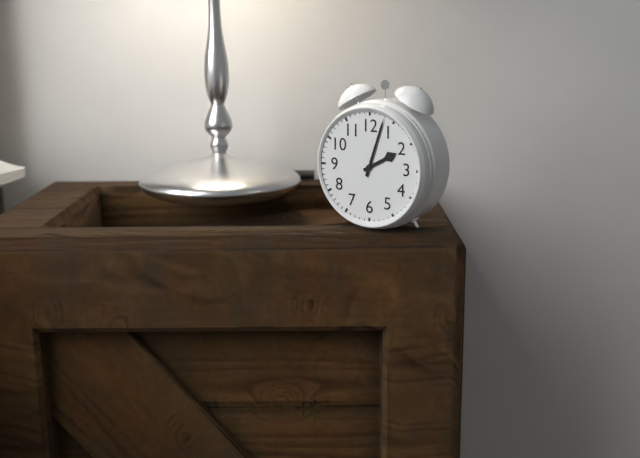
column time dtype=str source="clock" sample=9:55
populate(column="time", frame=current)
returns 2:03
